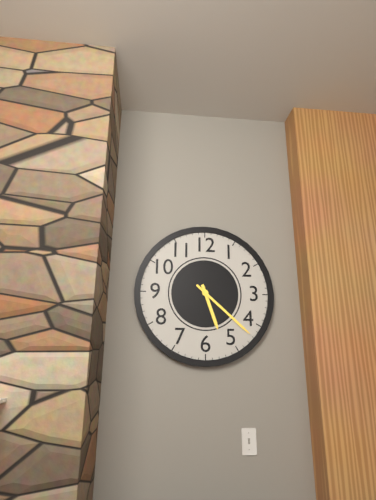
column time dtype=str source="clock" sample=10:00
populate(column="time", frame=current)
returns 5:22
